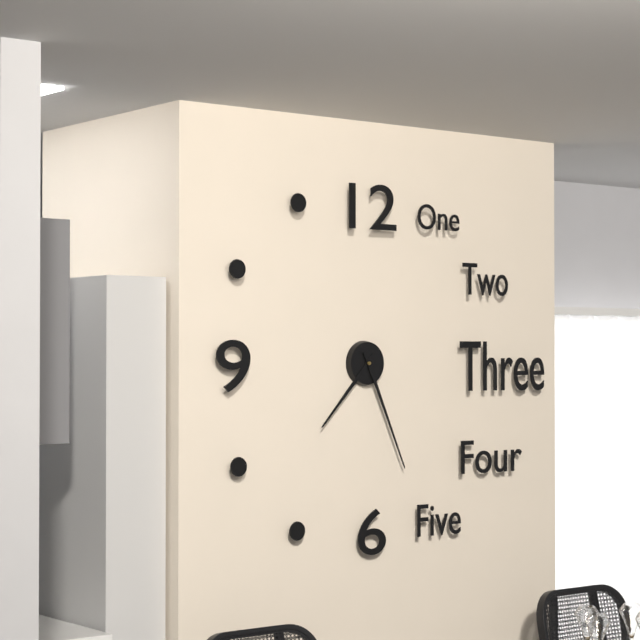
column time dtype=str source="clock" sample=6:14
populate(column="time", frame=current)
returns 7:26
